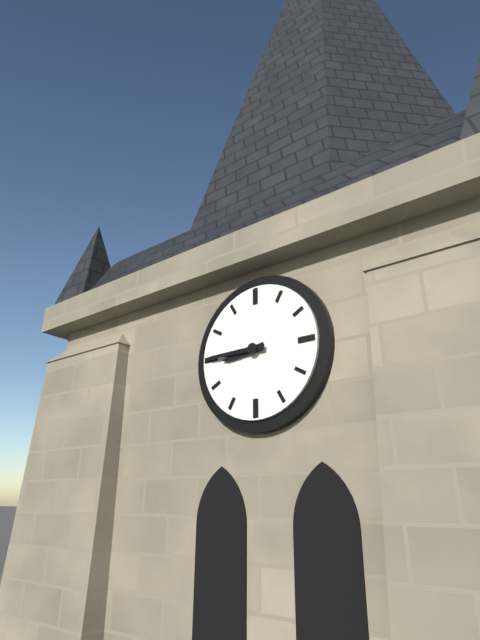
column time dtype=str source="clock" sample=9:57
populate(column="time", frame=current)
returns 8:45
